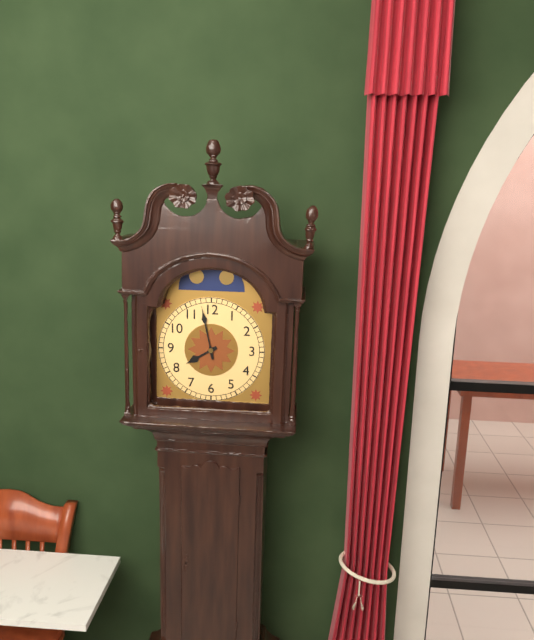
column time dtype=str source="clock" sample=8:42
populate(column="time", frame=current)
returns 7:58
